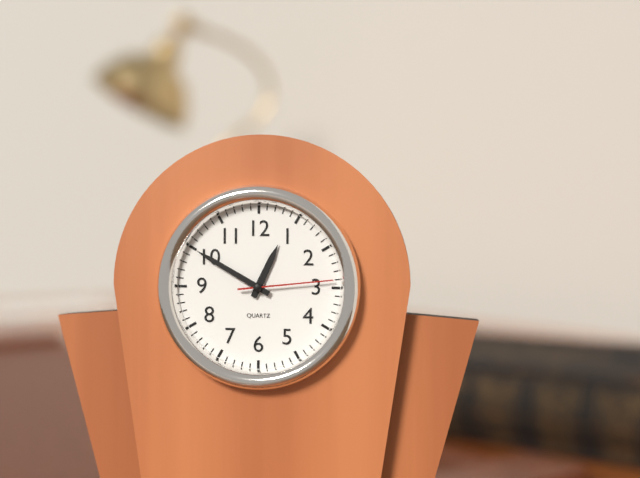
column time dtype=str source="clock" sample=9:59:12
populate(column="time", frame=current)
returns 12:50:14
